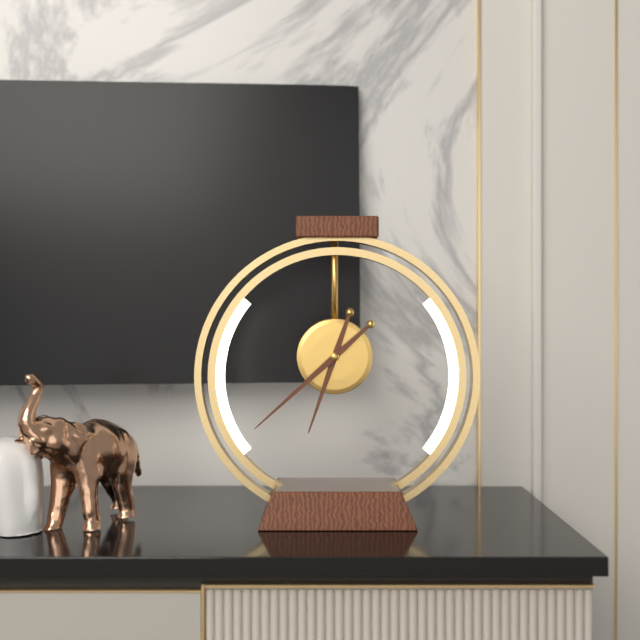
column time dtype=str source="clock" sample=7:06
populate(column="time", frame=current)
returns 6:38
